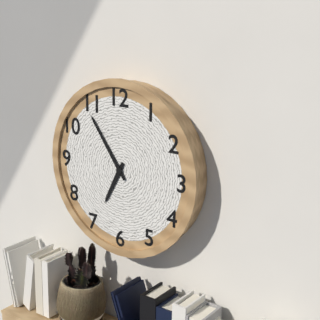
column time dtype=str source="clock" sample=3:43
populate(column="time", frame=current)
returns 6:54
